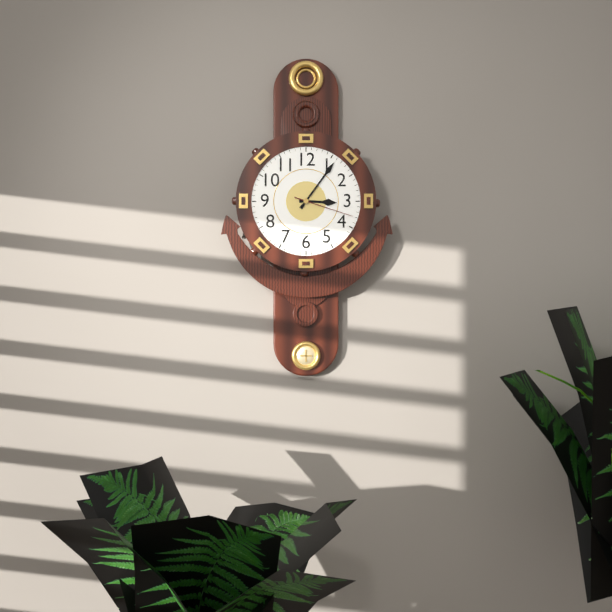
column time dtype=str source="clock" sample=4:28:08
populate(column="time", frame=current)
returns 3:06:18
